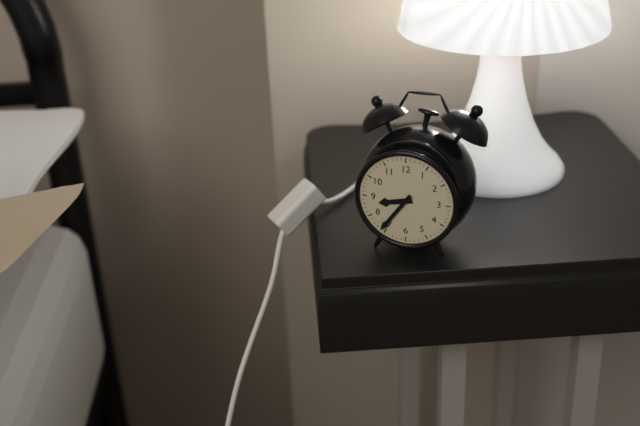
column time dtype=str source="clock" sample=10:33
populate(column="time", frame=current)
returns 8:36
